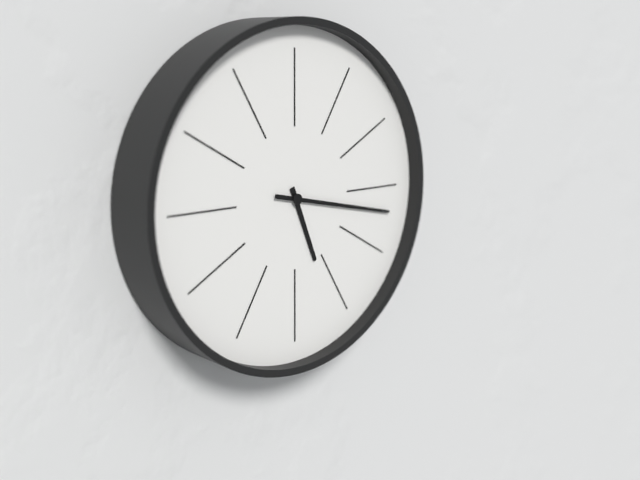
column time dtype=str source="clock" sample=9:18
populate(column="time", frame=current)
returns 5:17
